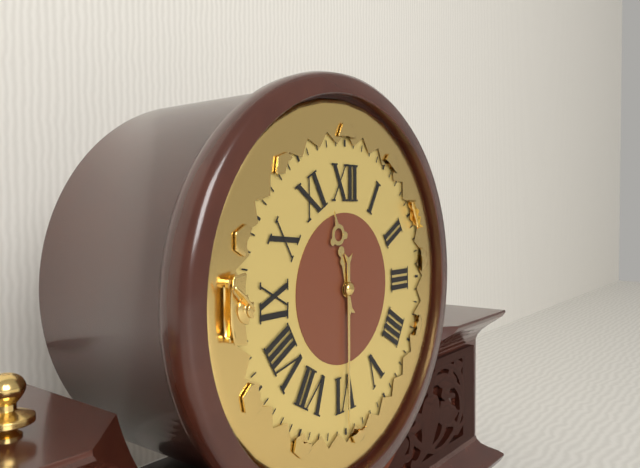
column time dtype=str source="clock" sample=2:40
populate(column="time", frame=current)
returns 11:30
